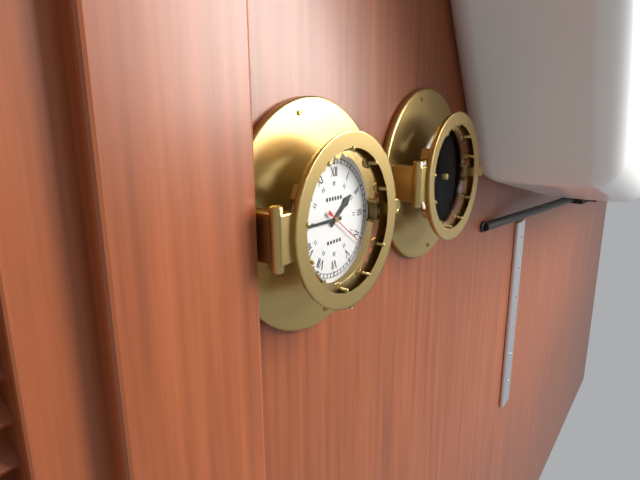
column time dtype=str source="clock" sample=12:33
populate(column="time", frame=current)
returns 1:45
